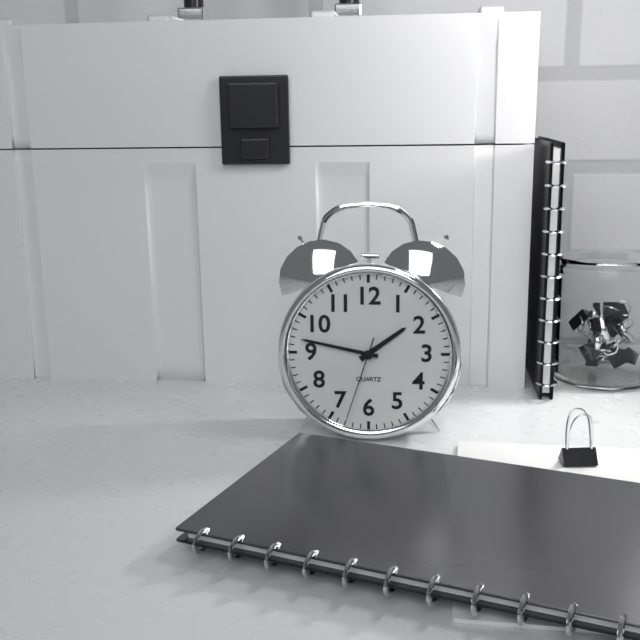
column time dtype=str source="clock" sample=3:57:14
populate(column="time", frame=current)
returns 1:47:33
